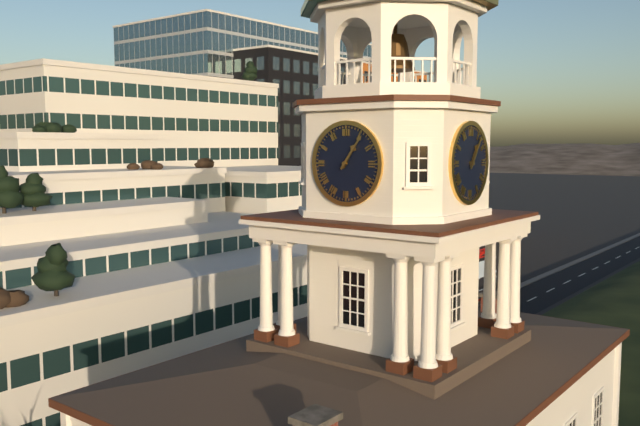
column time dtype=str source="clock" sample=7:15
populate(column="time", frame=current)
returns 1:06
